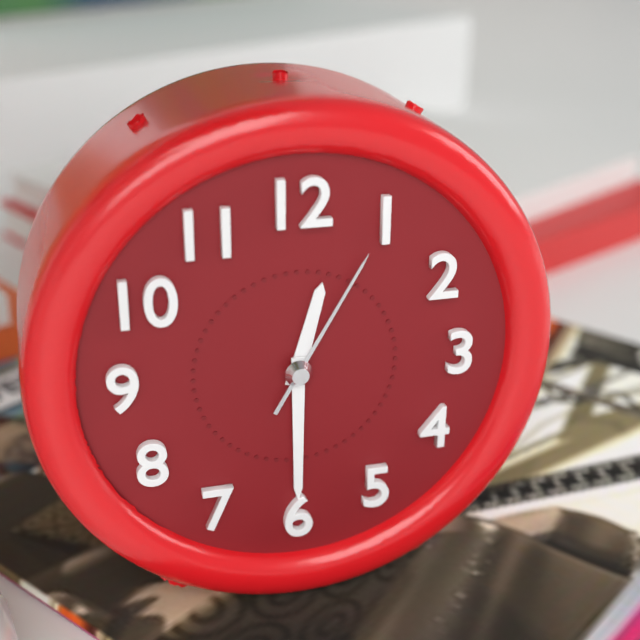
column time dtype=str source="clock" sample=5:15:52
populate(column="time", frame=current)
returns 12:30:05
